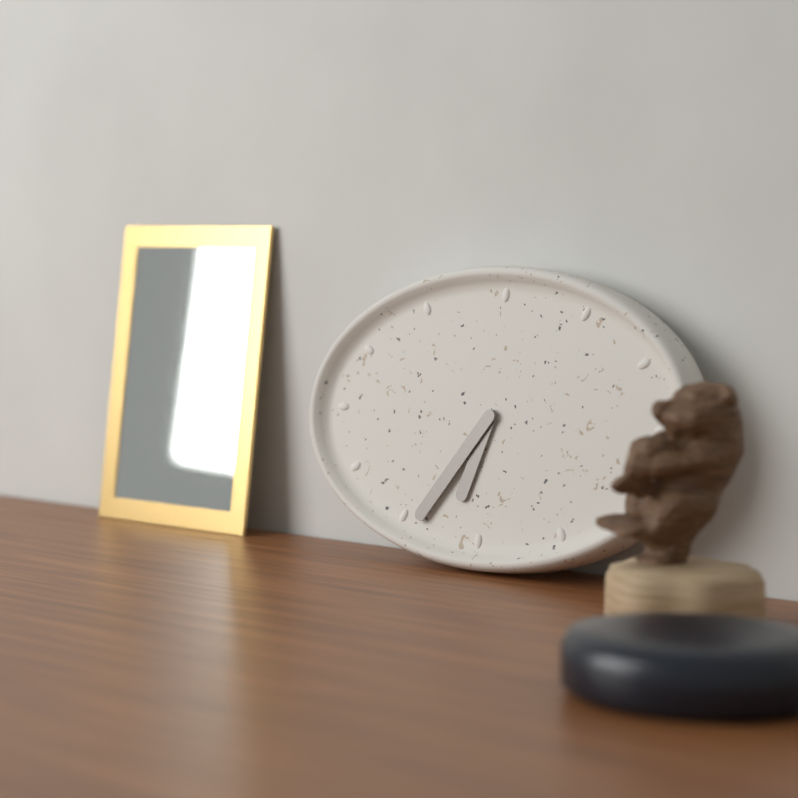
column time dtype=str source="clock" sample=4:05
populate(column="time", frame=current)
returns 6:36
